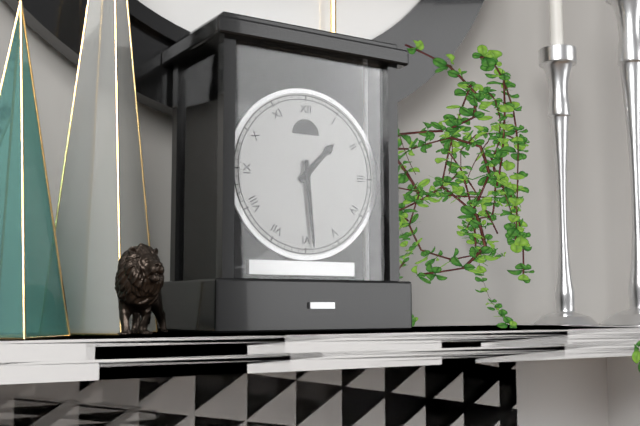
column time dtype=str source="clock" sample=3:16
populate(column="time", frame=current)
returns 1:29
